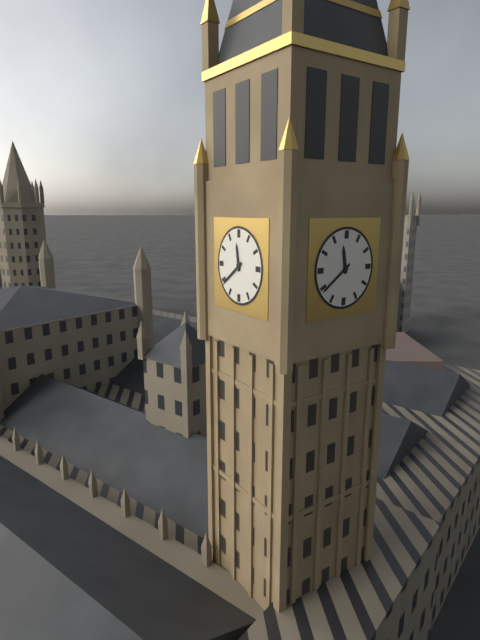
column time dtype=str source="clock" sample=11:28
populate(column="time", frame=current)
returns 11:39
